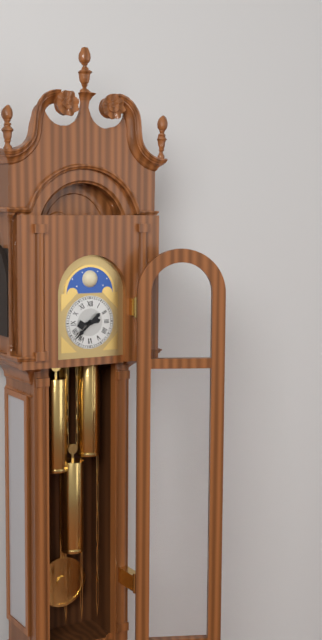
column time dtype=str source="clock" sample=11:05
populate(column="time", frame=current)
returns 8:38
